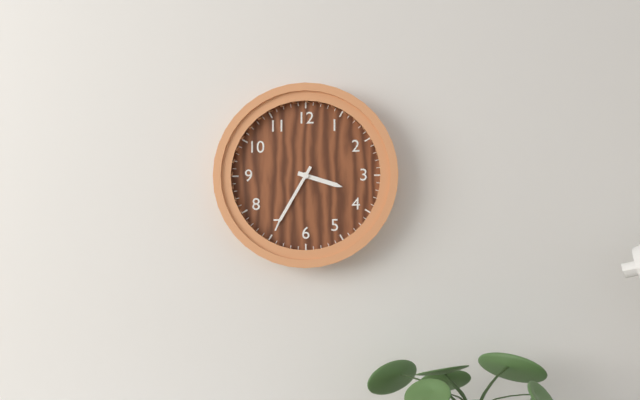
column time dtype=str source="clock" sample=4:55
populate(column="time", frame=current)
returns 3:35
